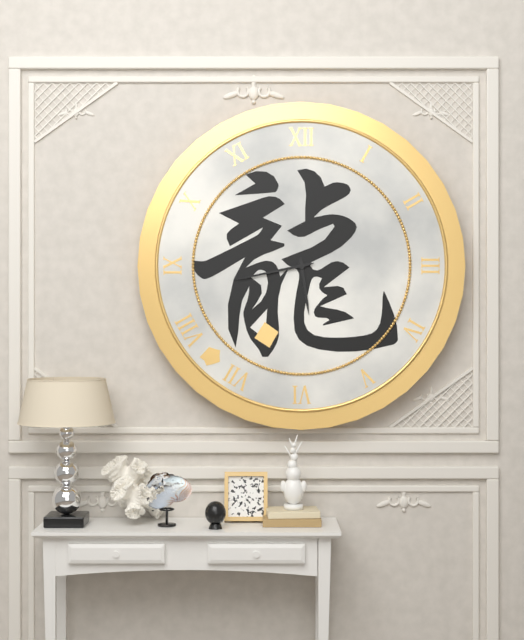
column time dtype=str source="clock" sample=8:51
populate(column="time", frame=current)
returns 5:43
